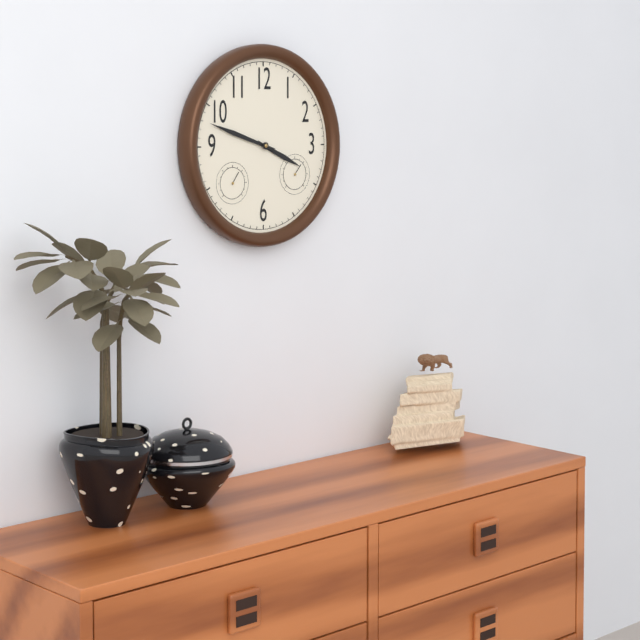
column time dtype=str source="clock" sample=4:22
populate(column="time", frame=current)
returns 3:48
